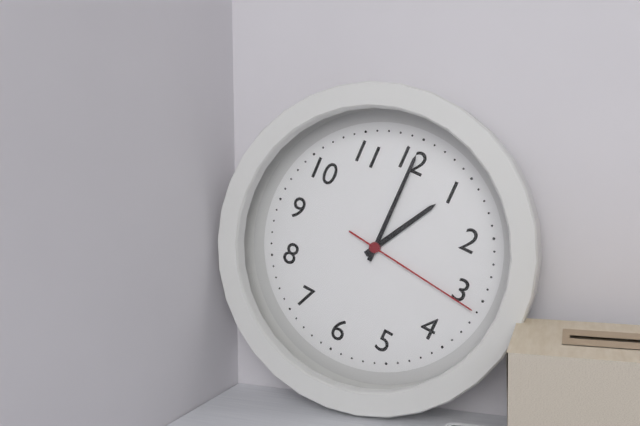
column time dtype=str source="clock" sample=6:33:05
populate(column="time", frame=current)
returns 1:00:16
